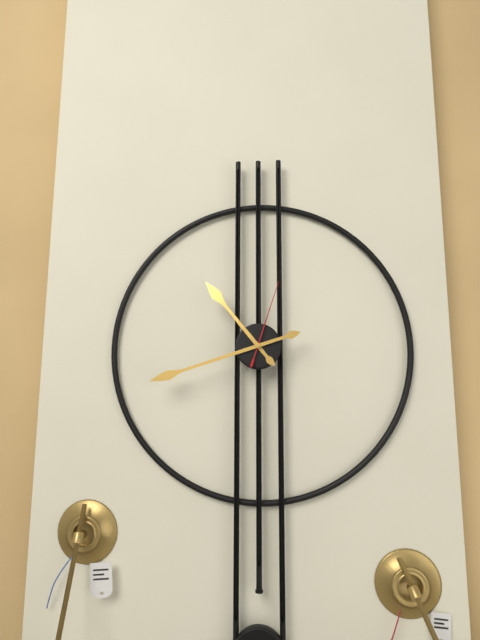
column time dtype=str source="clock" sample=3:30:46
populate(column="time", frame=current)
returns 10:42:03
